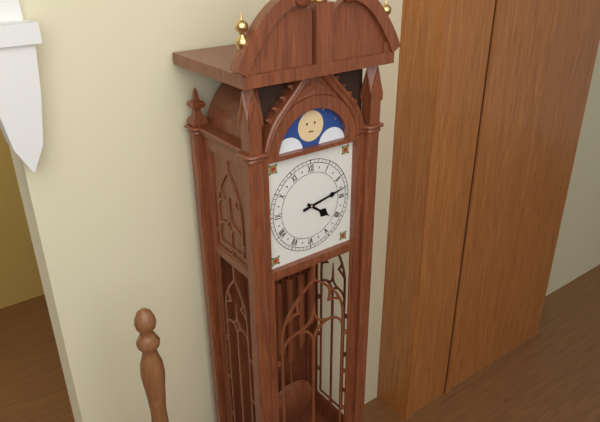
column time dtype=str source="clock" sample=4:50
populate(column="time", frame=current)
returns 4:13
